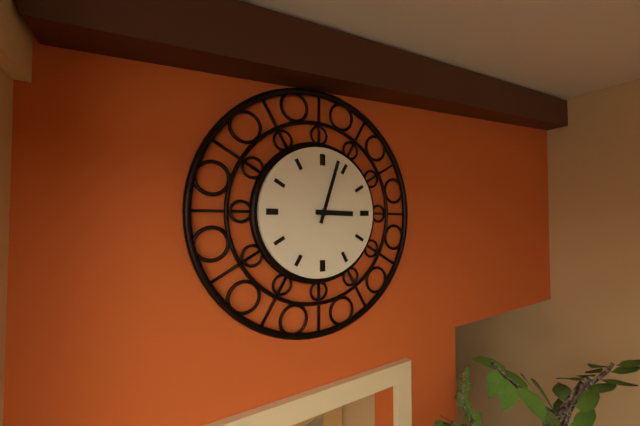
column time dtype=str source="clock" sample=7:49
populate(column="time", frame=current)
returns 3:03
